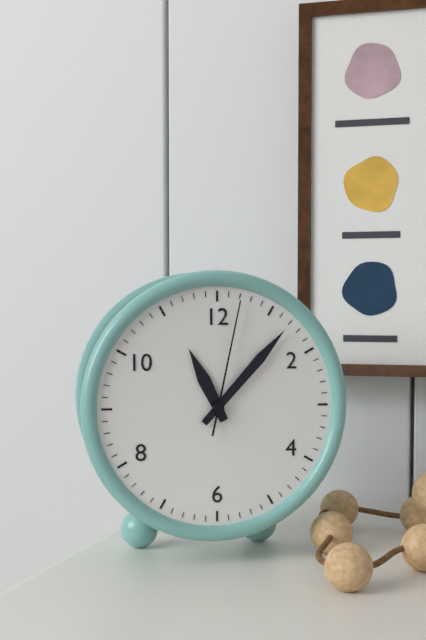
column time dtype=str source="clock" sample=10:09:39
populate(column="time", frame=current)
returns 11:07:02
